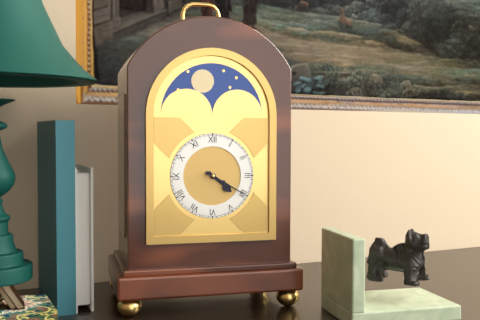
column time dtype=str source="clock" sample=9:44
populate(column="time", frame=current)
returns 4:20
